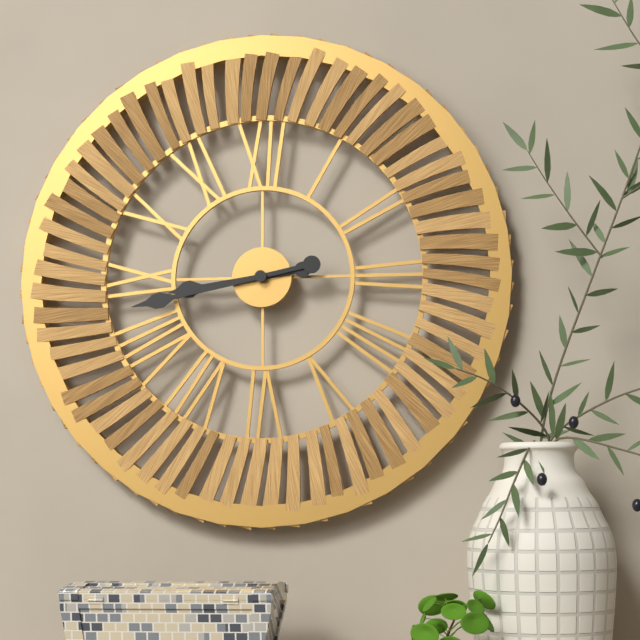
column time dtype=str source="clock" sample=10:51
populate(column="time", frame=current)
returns 8:43
